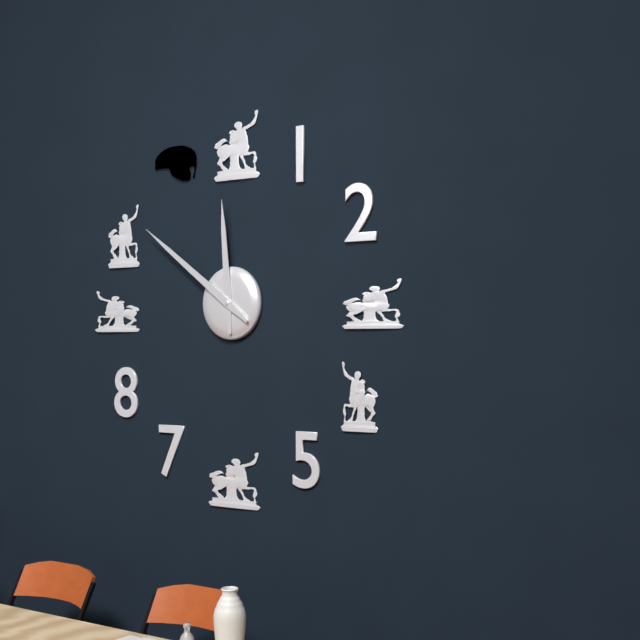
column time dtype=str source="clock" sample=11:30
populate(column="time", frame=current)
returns 11:51
